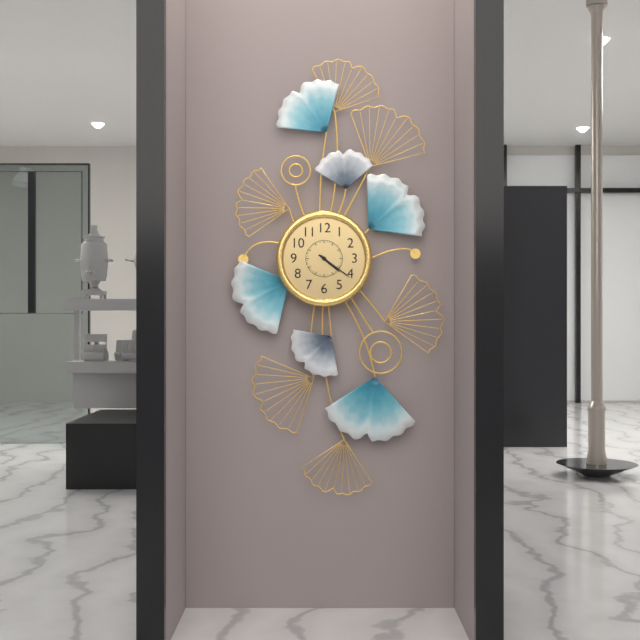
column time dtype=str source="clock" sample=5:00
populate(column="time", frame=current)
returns 4:21
